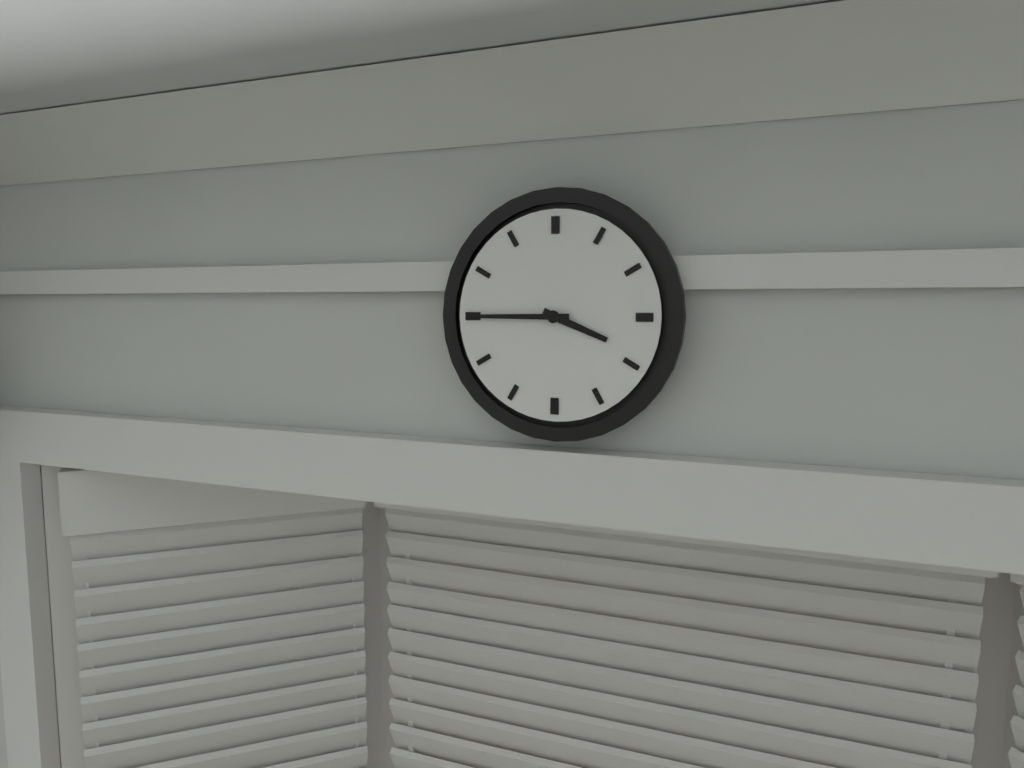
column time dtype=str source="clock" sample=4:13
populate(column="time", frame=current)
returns 3:45
